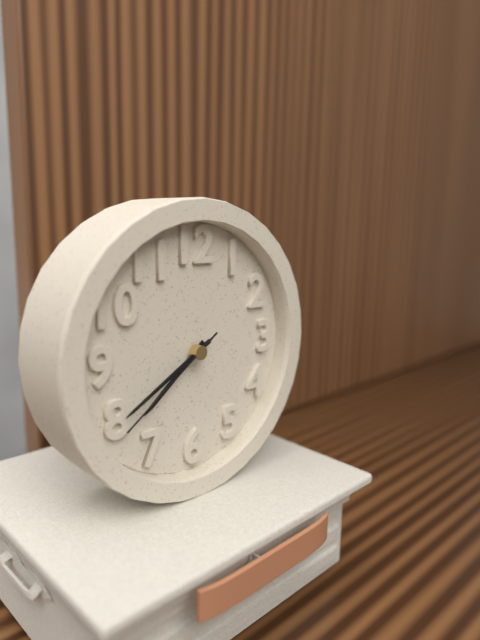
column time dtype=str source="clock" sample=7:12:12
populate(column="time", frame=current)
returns 7:40:39
